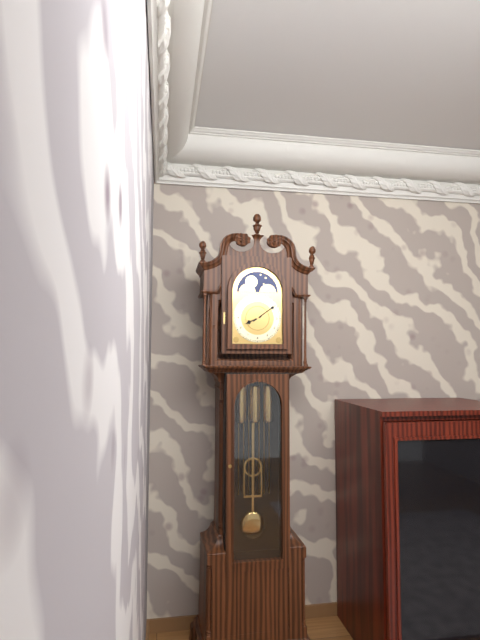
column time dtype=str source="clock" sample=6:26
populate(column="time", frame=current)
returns 8:09
